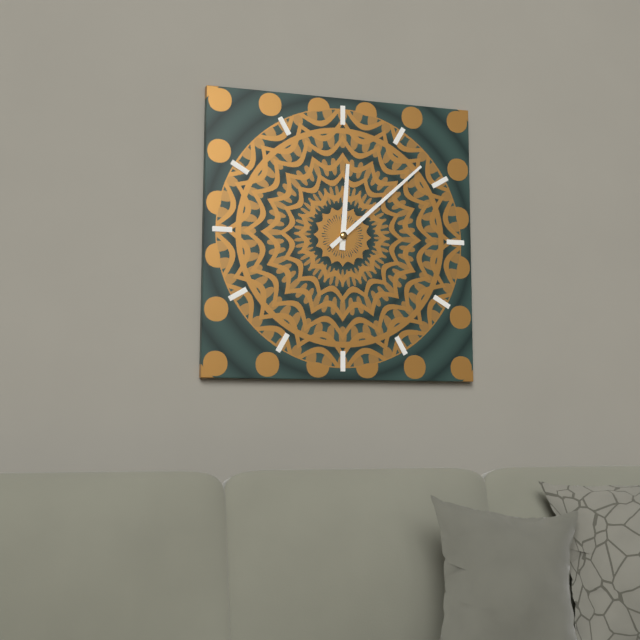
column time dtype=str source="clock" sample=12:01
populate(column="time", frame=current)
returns 12:08
